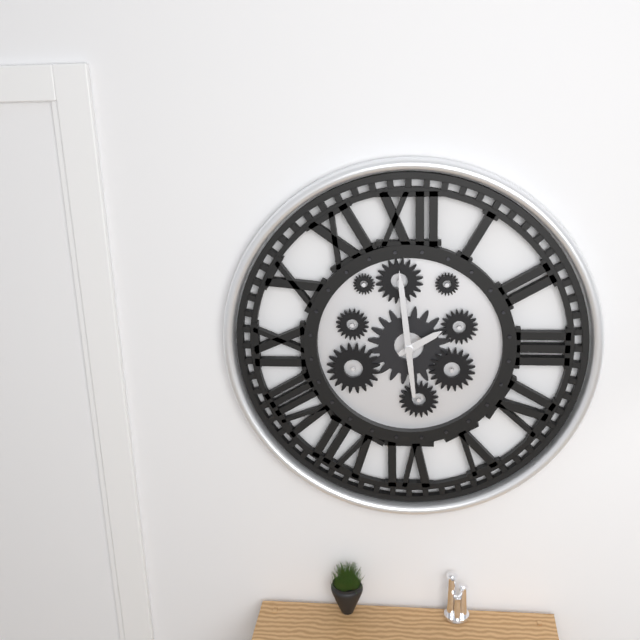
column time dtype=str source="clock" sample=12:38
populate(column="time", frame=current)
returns 1:59
